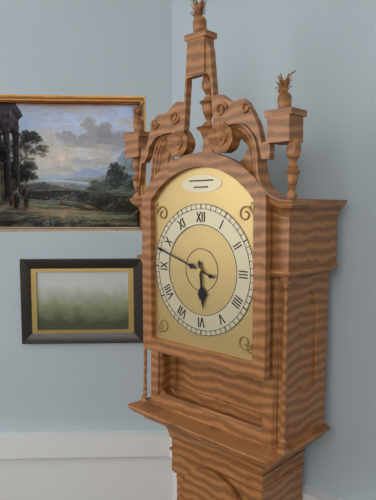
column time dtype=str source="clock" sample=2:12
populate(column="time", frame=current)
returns 5:48
